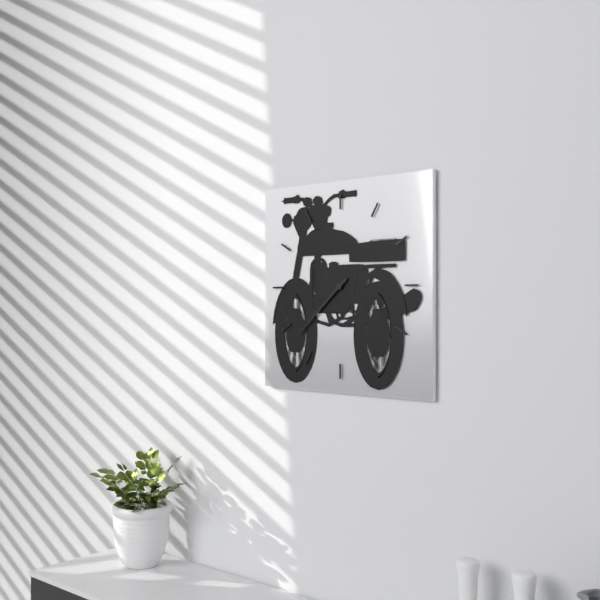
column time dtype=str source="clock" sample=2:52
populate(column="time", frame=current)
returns 7:38
